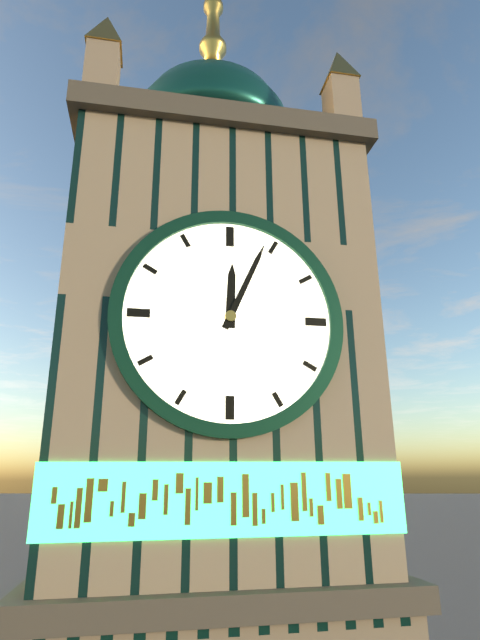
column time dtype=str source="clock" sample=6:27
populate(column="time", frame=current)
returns 12:04
